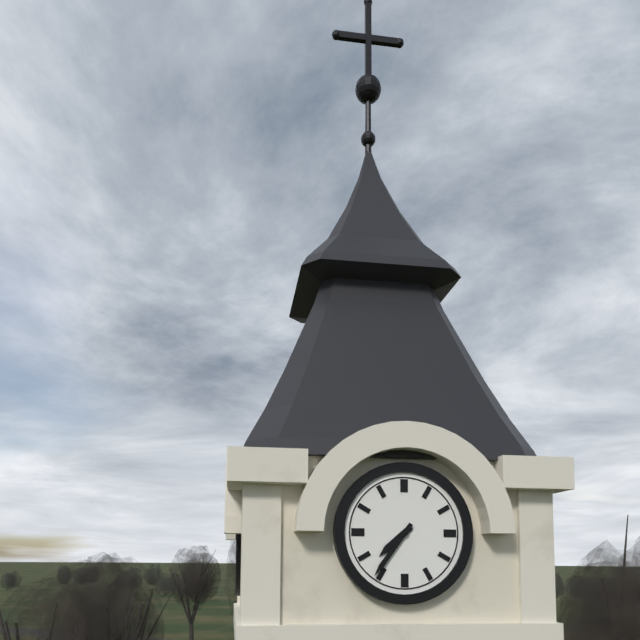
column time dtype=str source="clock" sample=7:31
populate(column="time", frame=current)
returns 7:36
